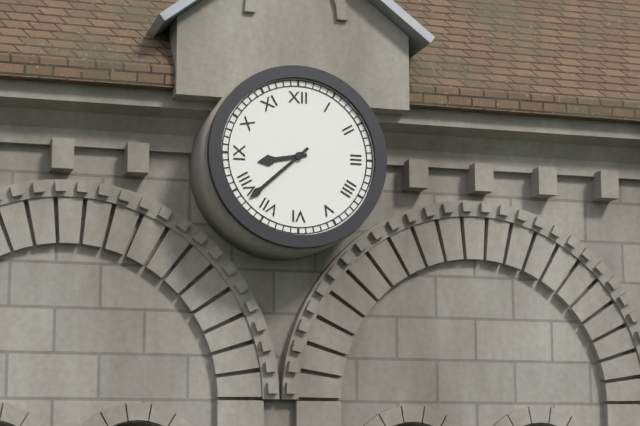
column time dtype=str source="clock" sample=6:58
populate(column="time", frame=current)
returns 8:38
